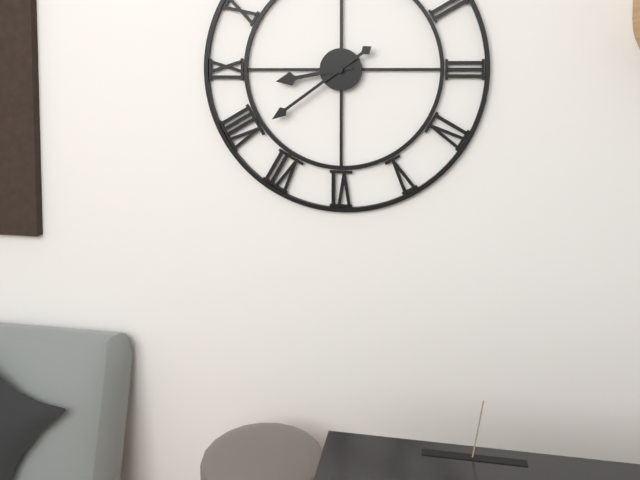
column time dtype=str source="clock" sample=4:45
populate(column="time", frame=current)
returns 8:39
